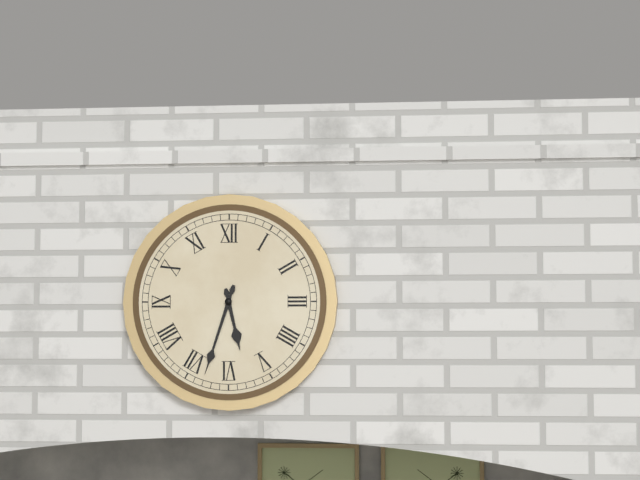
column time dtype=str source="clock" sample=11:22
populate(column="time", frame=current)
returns 5:33
